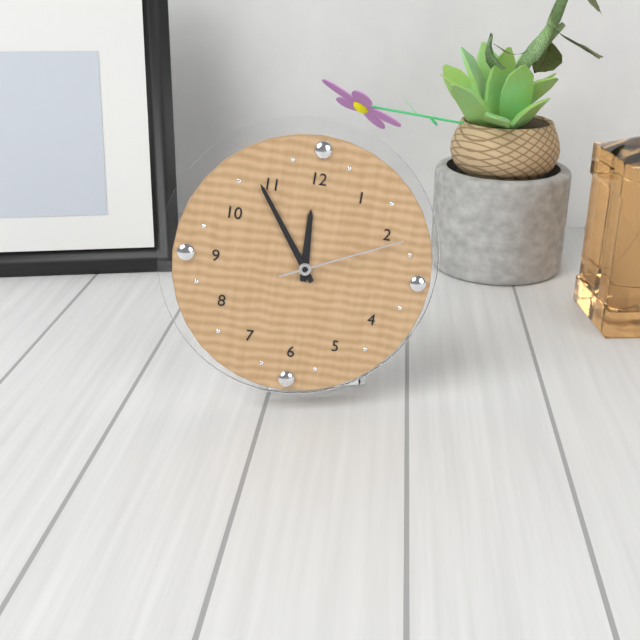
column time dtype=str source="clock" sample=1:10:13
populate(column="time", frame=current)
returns 11:54:11
